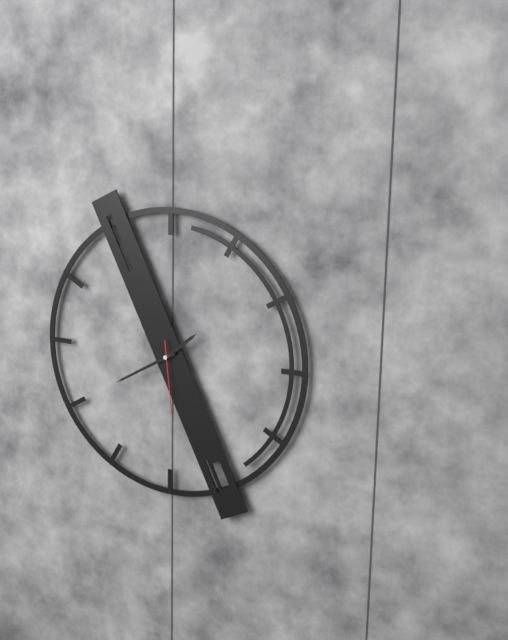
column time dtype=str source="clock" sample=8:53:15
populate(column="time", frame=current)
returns 1:40:29
